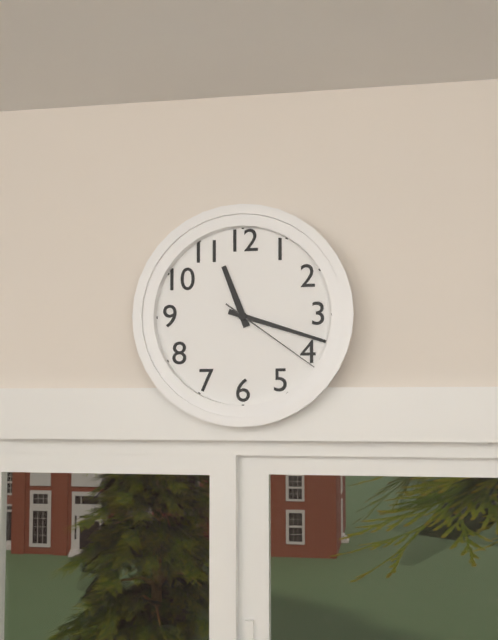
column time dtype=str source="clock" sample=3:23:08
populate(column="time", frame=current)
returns 11:18:21
